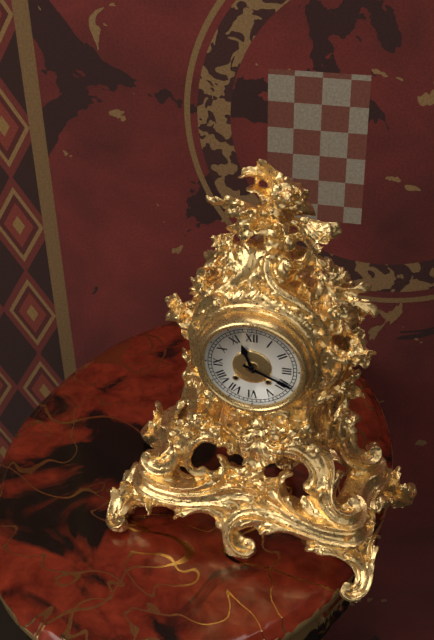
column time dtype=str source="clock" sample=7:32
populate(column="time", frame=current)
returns 11:19
